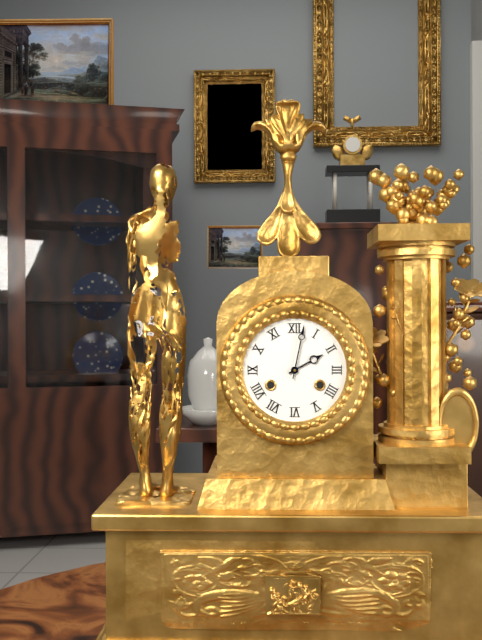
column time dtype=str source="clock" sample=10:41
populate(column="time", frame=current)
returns 2:02
